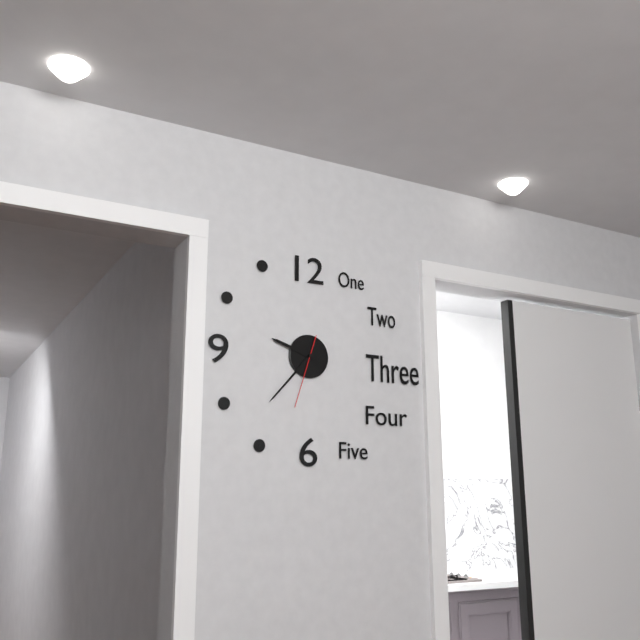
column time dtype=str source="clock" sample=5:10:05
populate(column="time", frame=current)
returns 9:37:33
